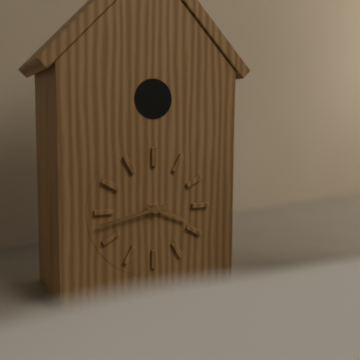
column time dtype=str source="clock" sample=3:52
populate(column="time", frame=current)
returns 3:43
